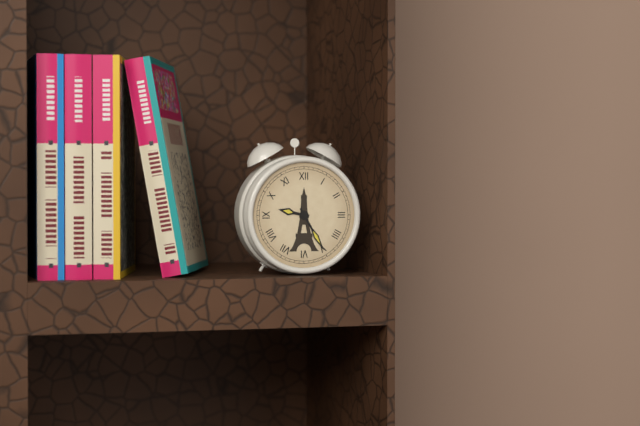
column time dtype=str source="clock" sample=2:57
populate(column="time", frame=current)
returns 9:25
